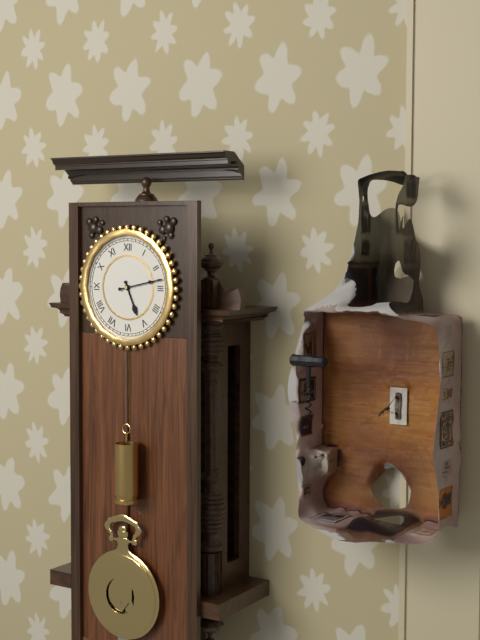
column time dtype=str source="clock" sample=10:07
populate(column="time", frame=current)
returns 5:13
